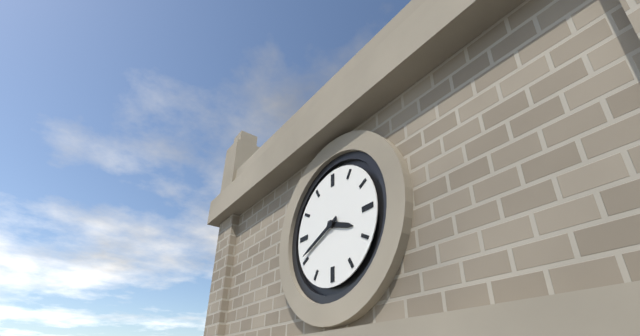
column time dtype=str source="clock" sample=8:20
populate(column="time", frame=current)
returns 3:41
